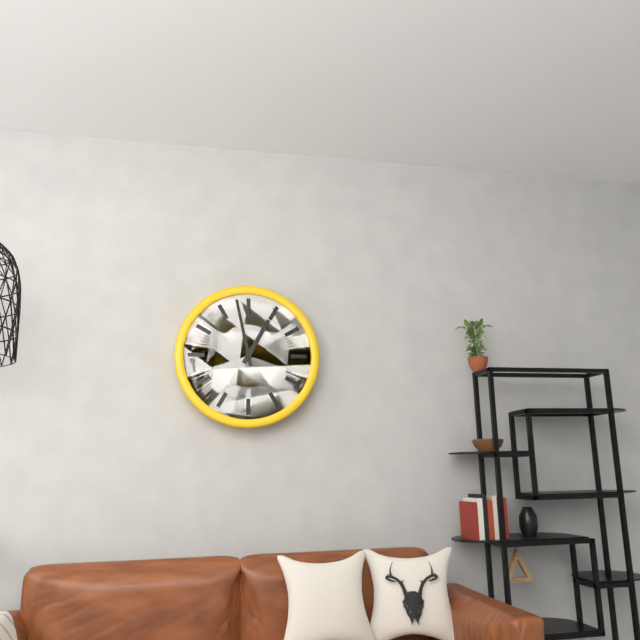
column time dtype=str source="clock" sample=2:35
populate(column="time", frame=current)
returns 12:58
